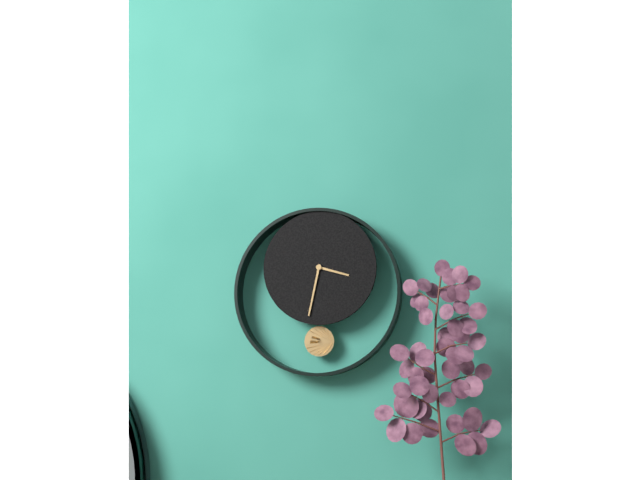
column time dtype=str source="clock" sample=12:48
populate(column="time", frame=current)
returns 3:32
